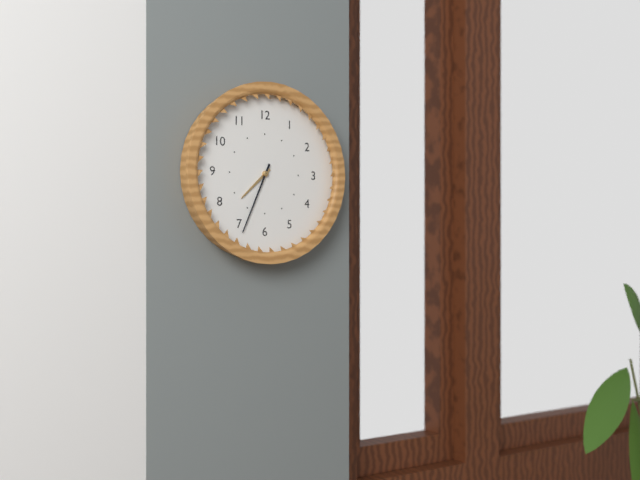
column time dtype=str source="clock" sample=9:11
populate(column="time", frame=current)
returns 7:34
